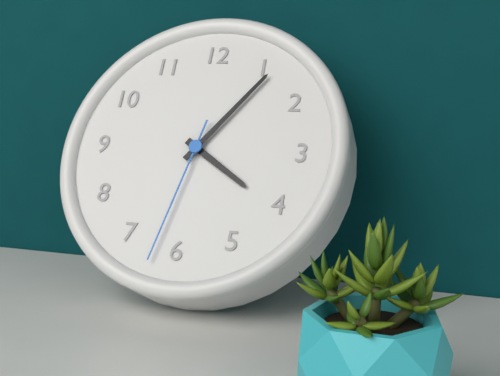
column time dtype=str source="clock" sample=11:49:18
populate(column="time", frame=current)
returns 4:06:32
